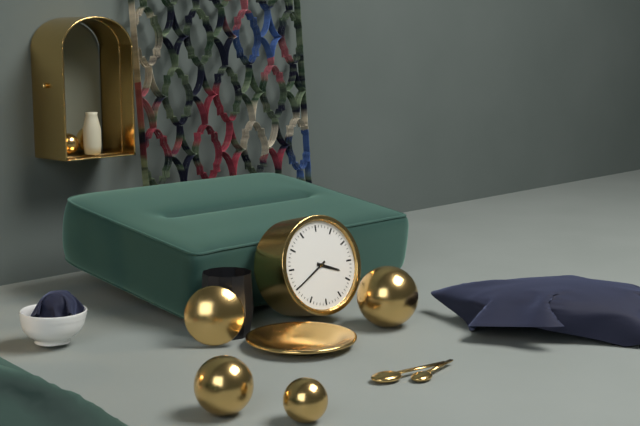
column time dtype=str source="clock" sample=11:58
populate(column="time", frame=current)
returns 3:40
